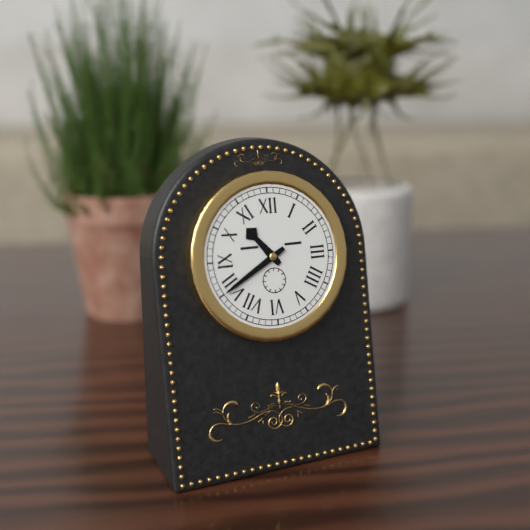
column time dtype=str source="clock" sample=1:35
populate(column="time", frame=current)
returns 10:40
